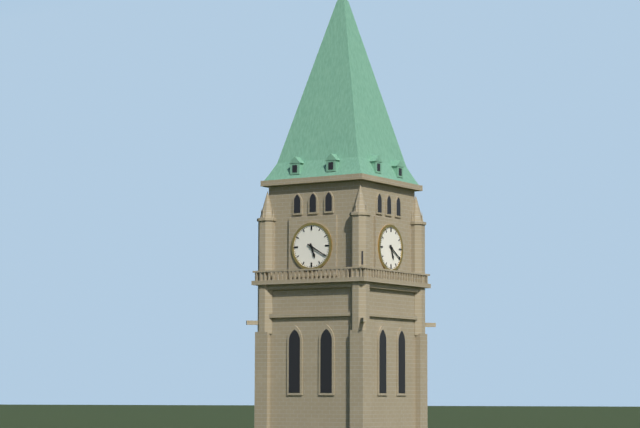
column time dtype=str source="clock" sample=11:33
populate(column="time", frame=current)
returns 5:20
